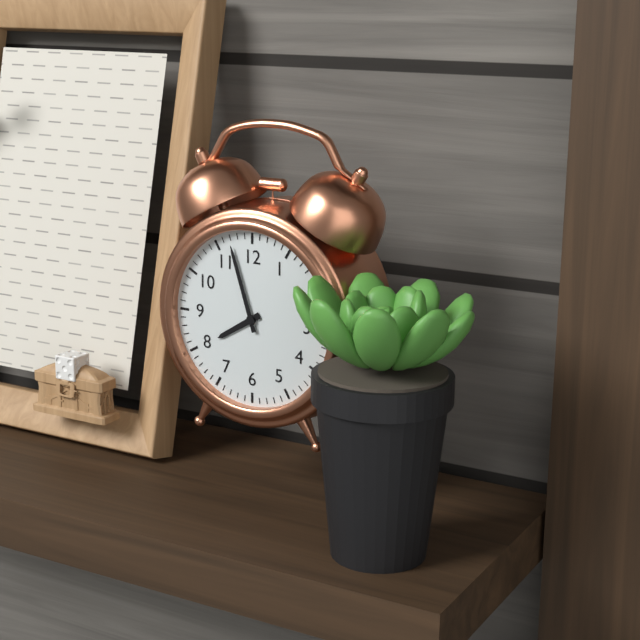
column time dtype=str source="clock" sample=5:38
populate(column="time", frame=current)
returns 7:57
